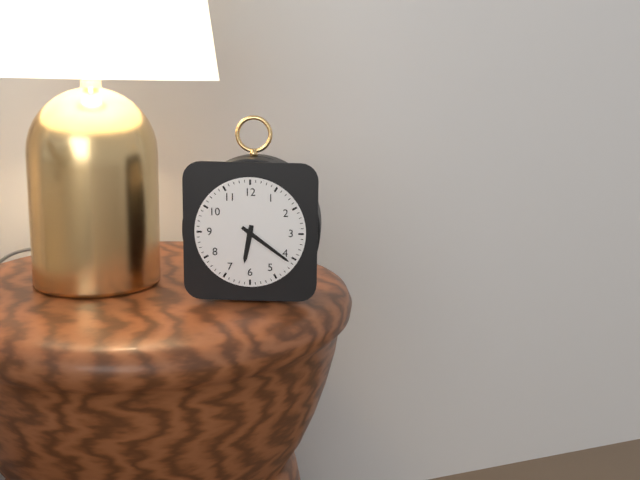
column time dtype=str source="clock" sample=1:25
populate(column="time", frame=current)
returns 6:21
